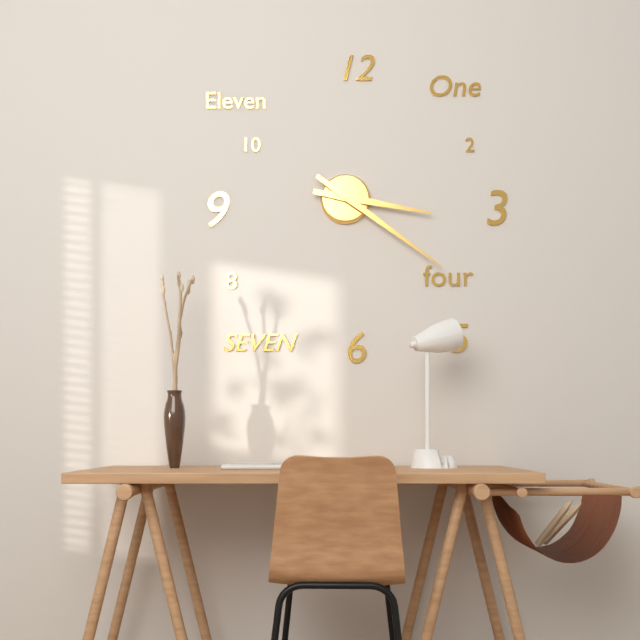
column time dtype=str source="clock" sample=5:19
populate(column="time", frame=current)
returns 3:21
